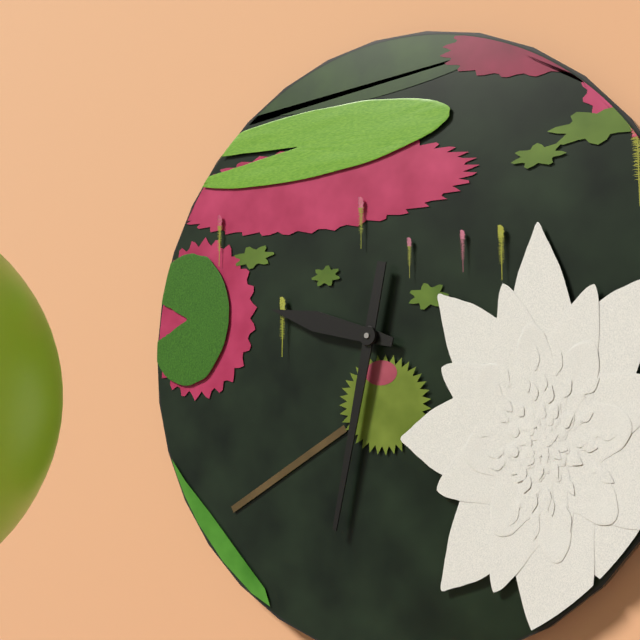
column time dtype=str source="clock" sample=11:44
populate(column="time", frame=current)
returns 9:32
